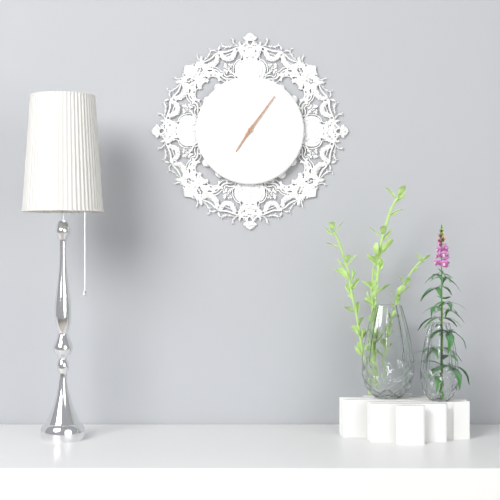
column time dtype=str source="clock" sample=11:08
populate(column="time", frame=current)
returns 7:06
